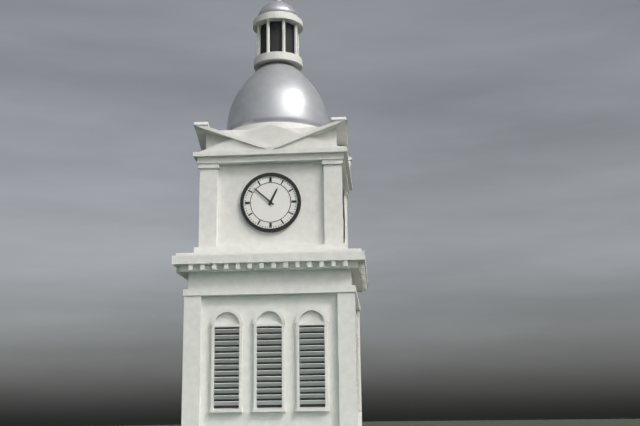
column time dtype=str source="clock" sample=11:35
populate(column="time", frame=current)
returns 12:52
